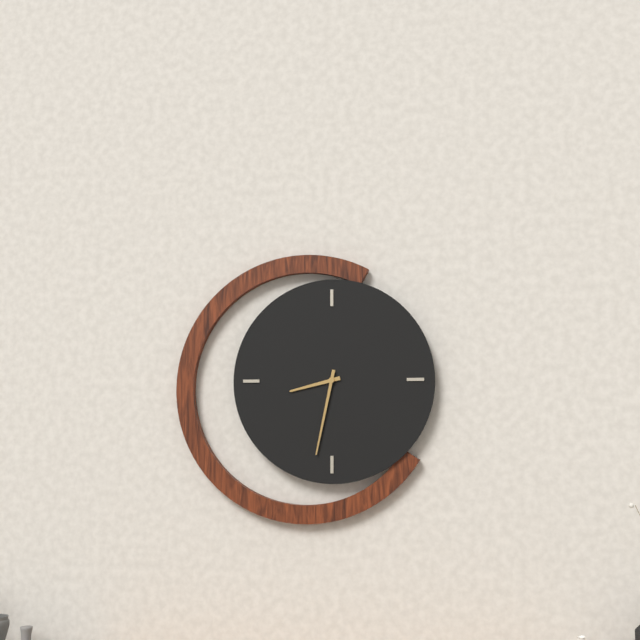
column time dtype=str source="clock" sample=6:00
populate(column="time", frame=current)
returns 8:32
